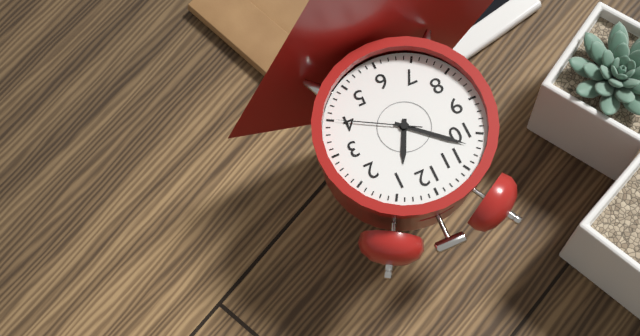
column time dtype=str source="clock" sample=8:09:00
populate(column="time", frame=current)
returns 12:52:20
